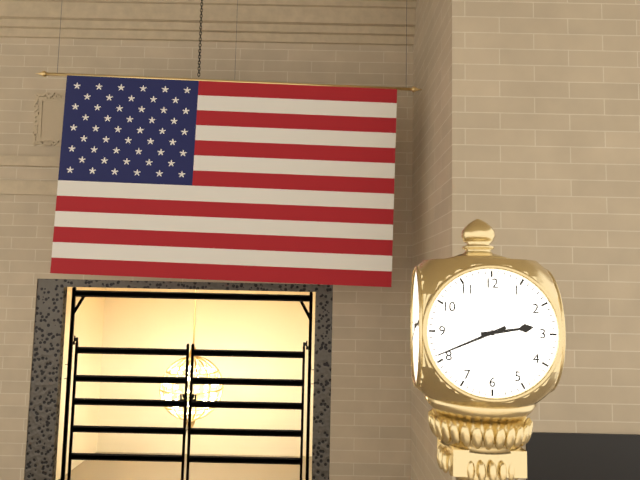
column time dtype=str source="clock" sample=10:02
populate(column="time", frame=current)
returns 2:41
